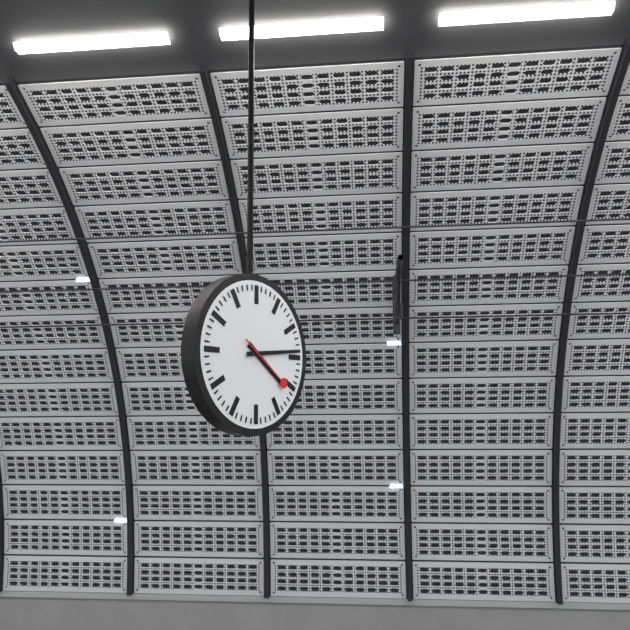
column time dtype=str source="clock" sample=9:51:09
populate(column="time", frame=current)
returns 4:14:21
